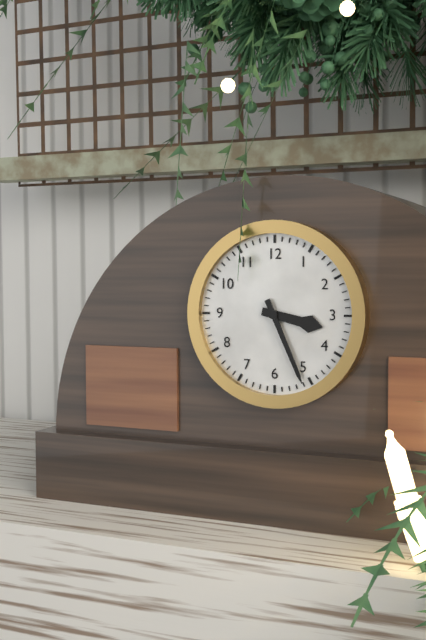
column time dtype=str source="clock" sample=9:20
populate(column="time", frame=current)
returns 3:26
